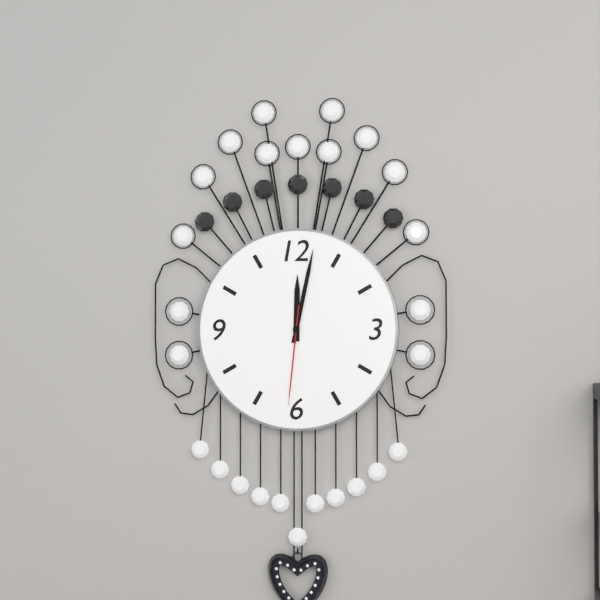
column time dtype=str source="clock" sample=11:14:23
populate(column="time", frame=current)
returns 12:02:31
